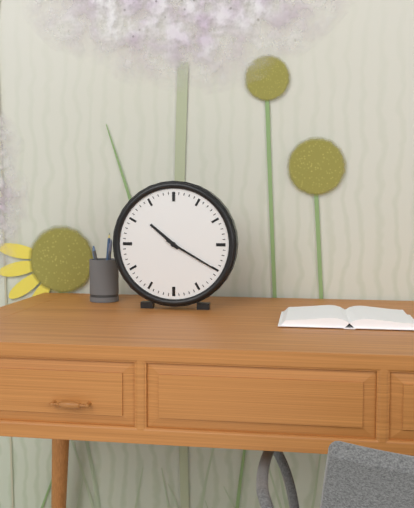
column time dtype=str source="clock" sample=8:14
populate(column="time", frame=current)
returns 10:20
